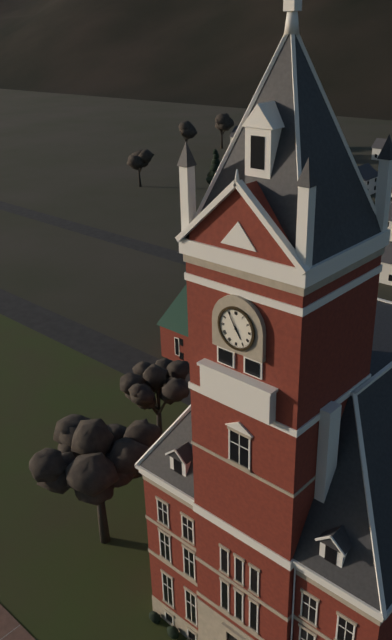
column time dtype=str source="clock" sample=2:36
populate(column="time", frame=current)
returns 4:55
